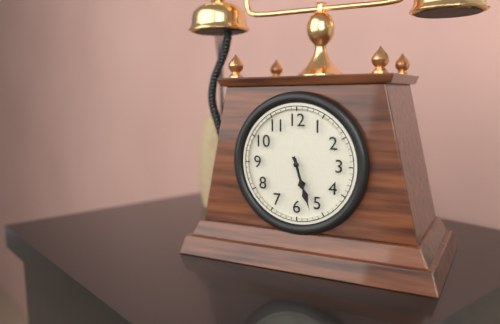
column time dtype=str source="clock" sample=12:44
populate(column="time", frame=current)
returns 5:27
